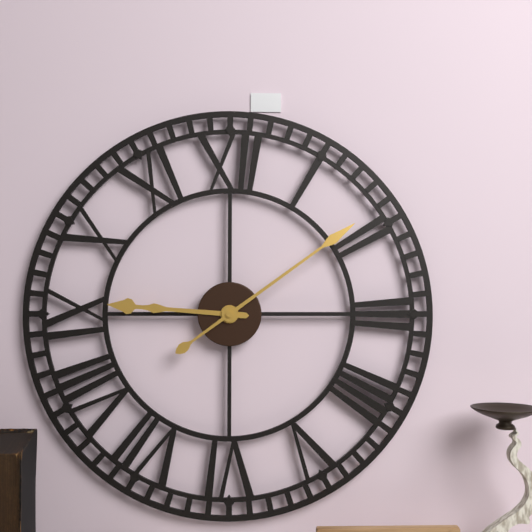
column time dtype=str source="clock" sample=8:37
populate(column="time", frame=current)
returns 9:09
